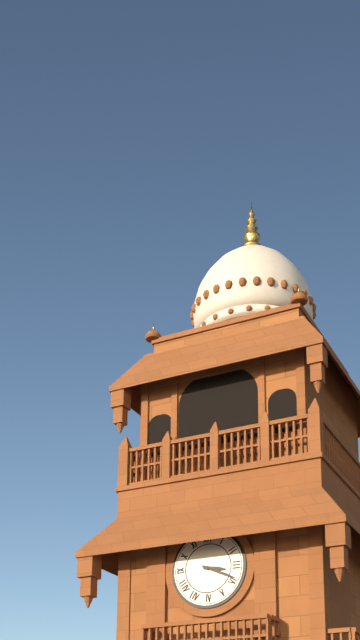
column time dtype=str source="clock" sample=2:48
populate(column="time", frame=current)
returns 3:19
